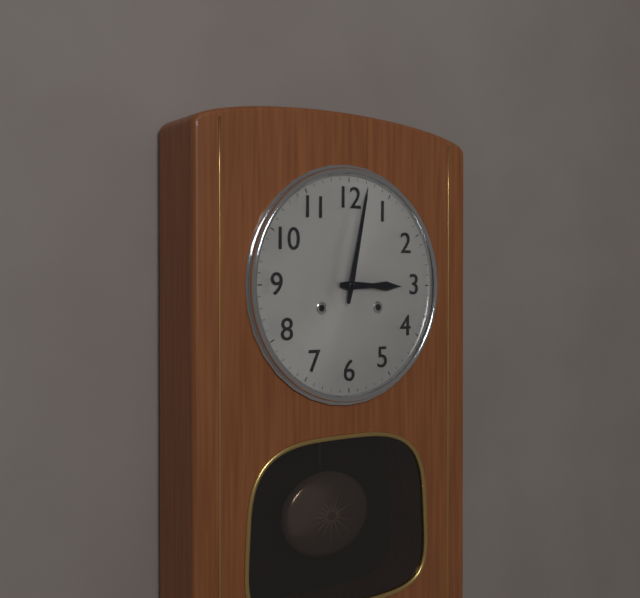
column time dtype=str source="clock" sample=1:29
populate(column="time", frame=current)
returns 3:02
